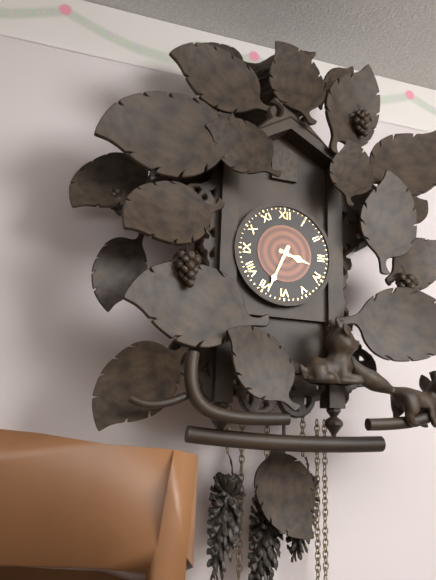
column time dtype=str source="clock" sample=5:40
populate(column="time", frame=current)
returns 3:34
